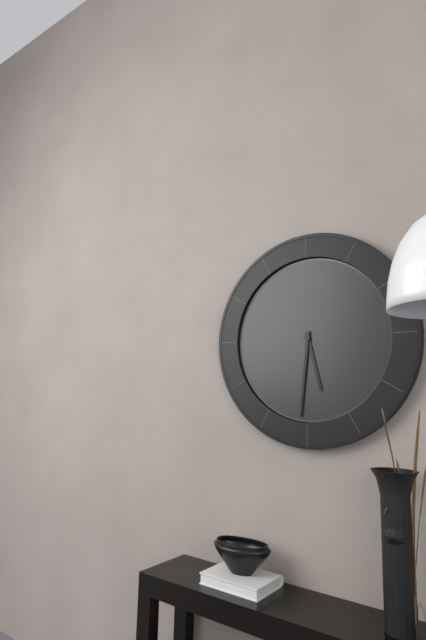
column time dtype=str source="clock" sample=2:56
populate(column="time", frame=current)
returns 5:31
